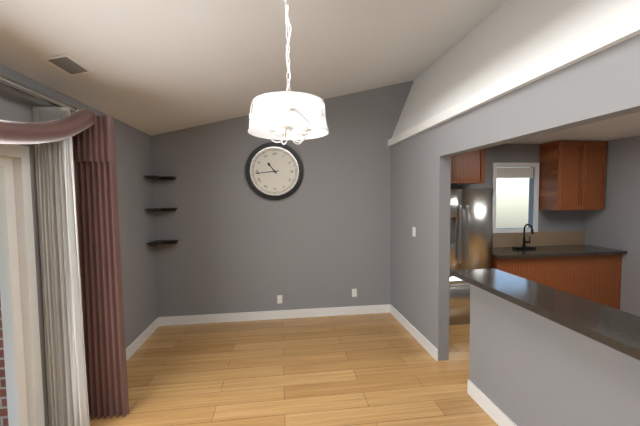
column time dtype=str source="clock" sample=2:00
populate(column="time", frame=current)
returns 10:44
